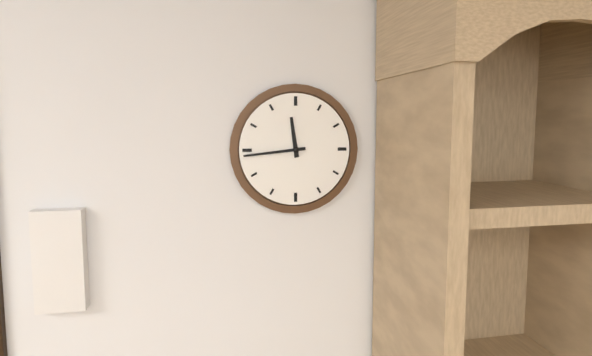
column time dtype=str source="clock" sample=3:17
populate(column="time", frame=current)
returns 11:44
